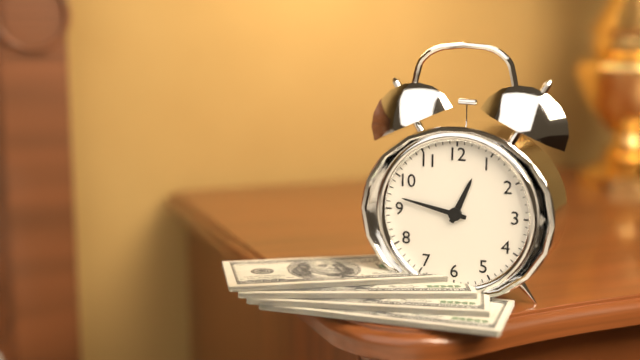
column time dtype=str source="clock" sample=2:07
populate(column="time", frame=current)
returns 12:47
